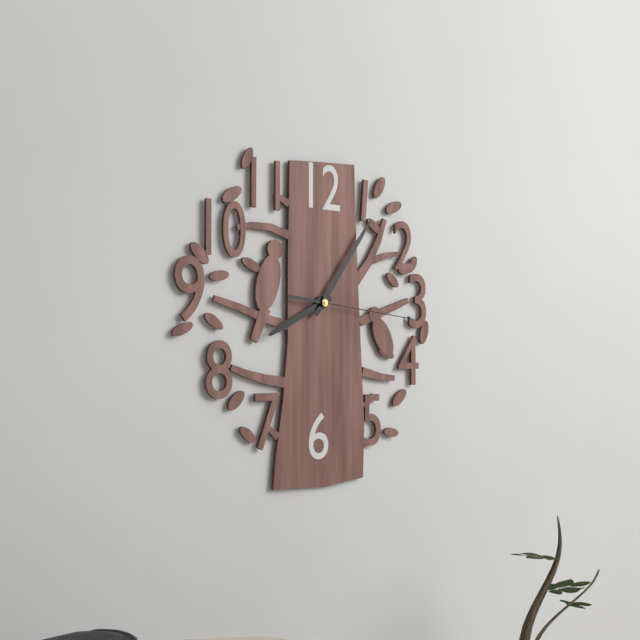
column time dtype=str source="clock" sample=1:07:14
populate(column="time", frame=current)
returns 8:06:16
